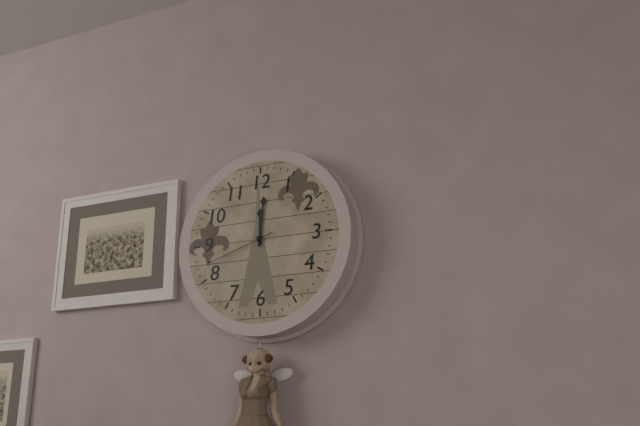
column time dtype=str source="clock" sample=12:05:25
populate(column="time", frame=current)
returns 12:01:42
